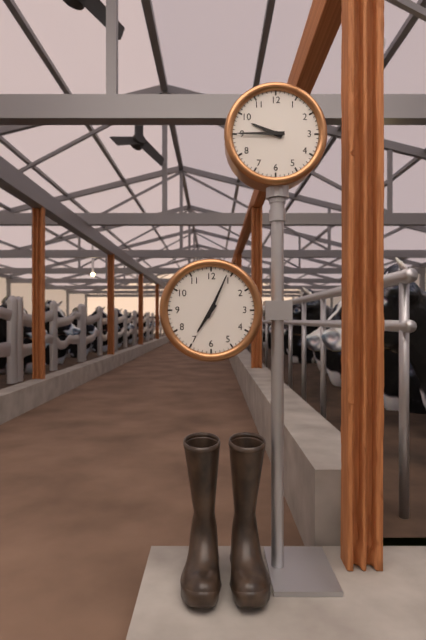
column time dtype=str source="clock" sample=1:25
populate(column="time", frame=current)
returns 9:45
